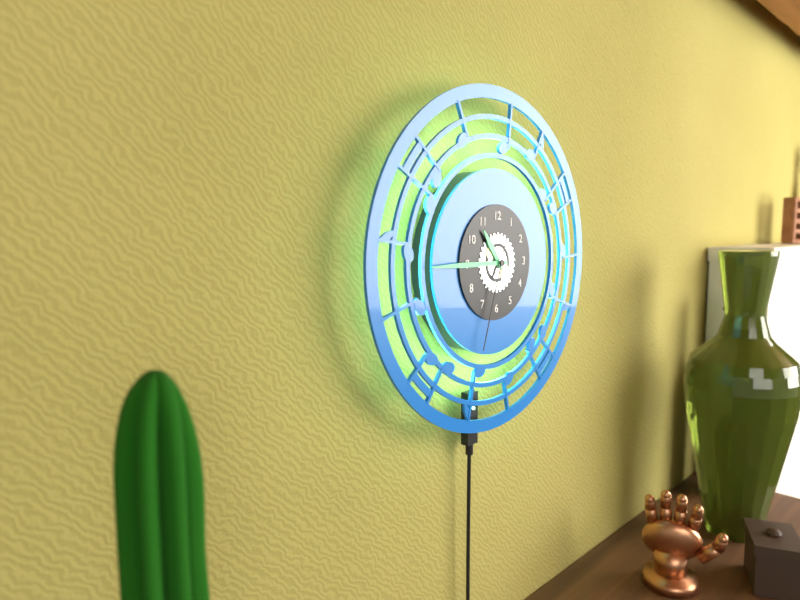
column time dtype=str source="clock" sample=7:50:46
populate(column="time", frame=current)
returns 10:45:33
